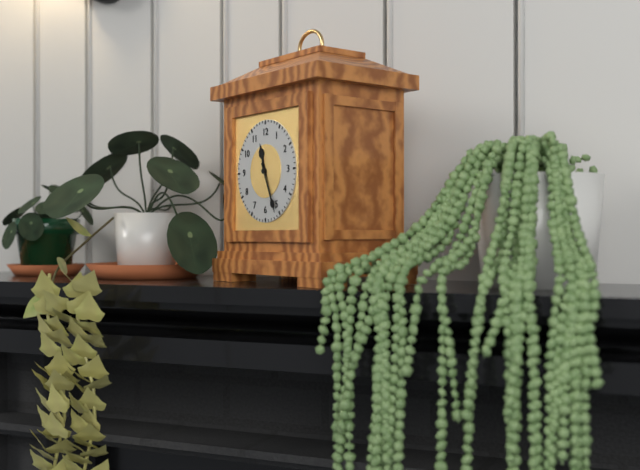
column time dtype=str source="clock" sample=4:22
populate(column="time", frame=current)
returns 11:26
